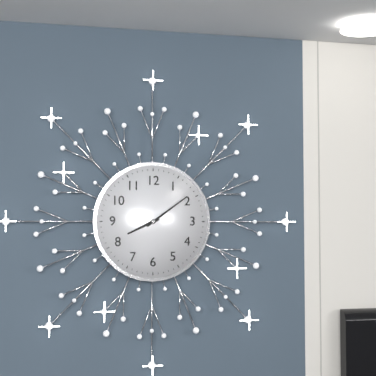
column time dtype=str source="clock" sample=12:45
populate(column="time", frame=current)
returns 8:09
